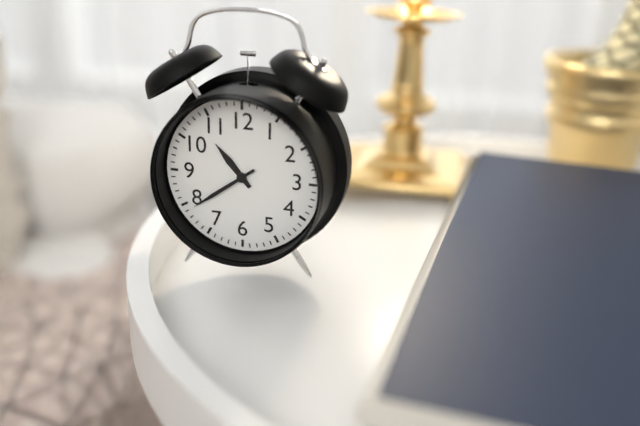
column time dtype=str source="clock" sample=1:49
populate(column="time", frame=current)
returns 10:39
